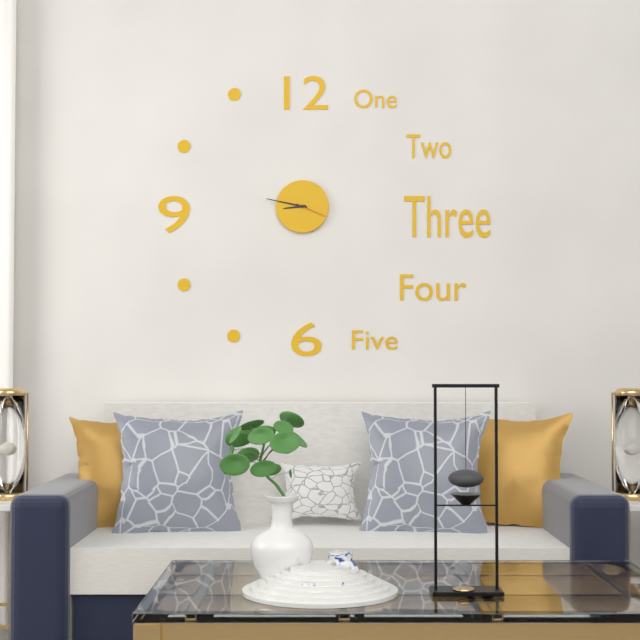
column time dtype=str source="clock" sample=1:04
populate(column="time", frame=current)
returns 8:47
